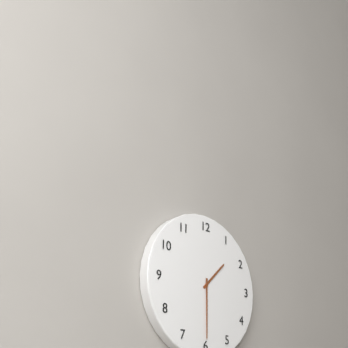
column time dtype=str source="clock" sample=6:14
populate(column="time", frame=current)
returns 1:30
